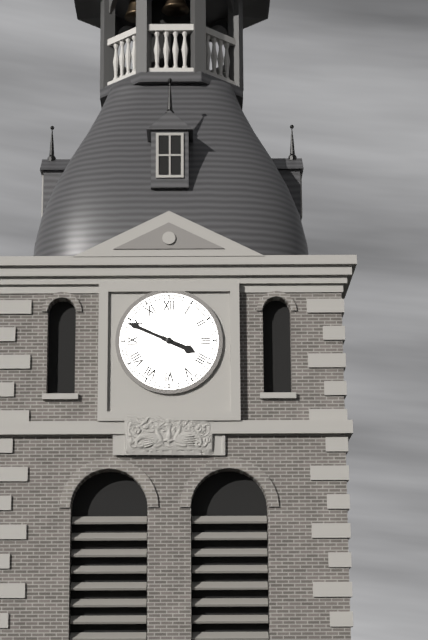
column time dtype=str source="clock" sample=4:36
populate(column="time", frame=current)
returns 3:49
